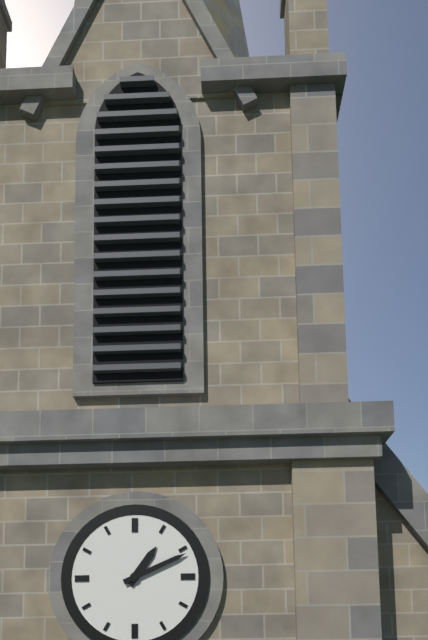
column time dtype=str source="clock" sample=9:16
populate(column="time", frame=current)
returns 1:11
